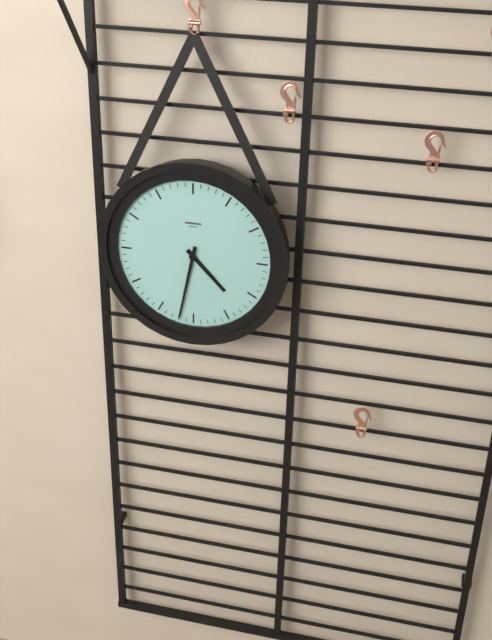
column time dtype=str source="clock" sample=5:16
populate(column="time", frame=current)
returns 4:32
